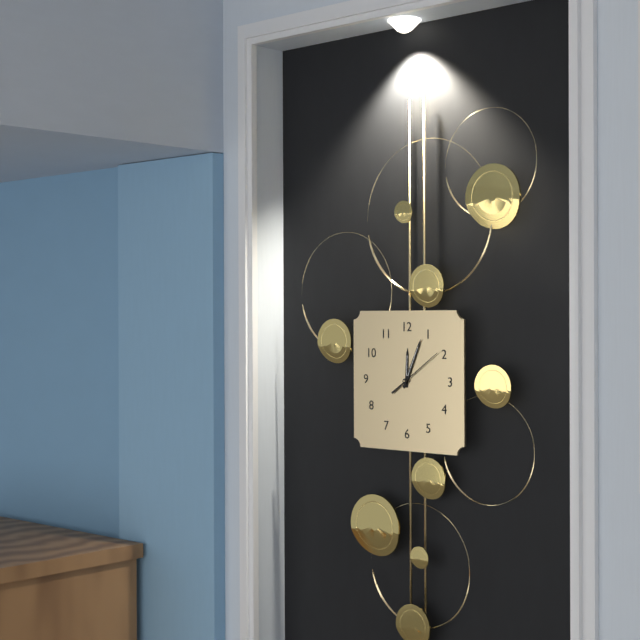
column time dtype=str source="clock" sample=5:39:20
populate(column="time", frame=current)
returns 12:04:09
